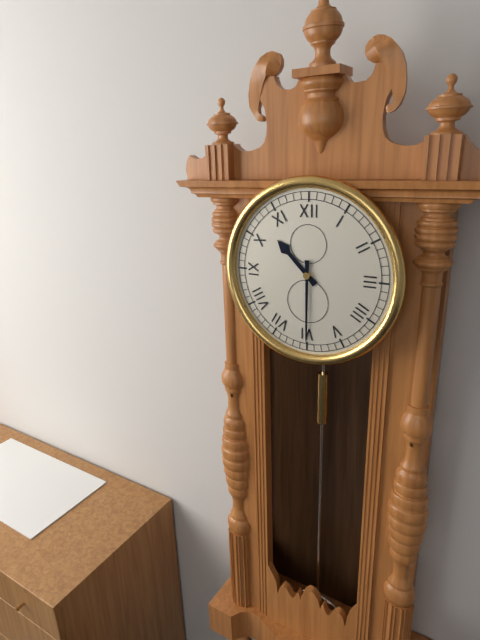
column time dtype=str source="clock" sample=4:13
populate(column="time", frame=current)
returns 10:30
